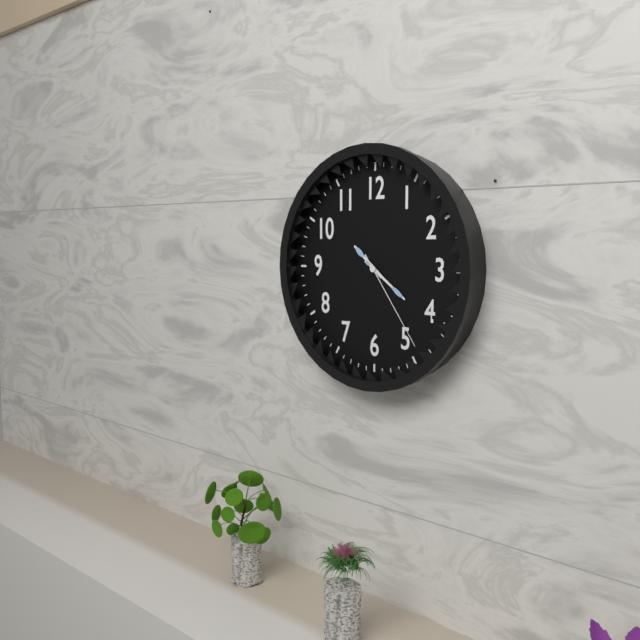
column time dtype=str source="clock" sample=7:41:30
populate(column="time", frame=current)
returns 10:21:24
